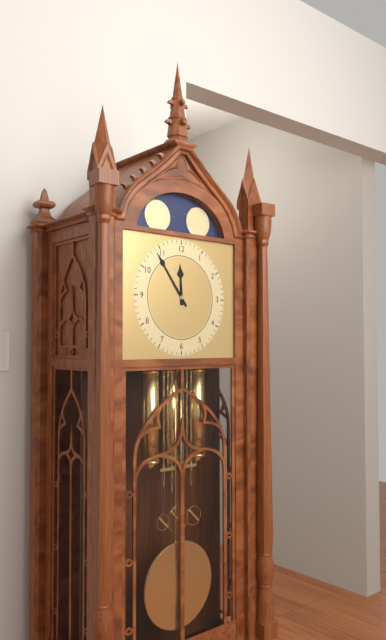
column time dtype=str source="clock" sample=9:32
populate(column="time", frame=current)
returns 11:54
